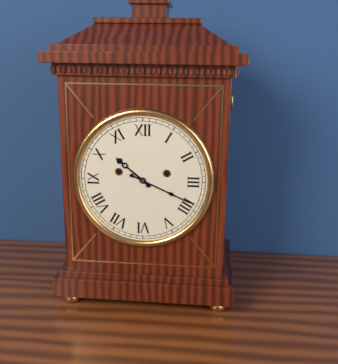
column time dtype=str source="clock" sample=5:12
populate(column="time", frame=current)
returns 10:19
